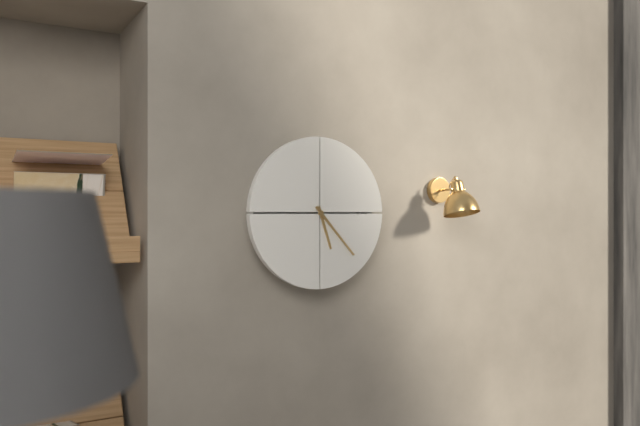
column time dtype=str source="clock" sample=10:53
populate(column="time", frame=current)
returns 5:23
